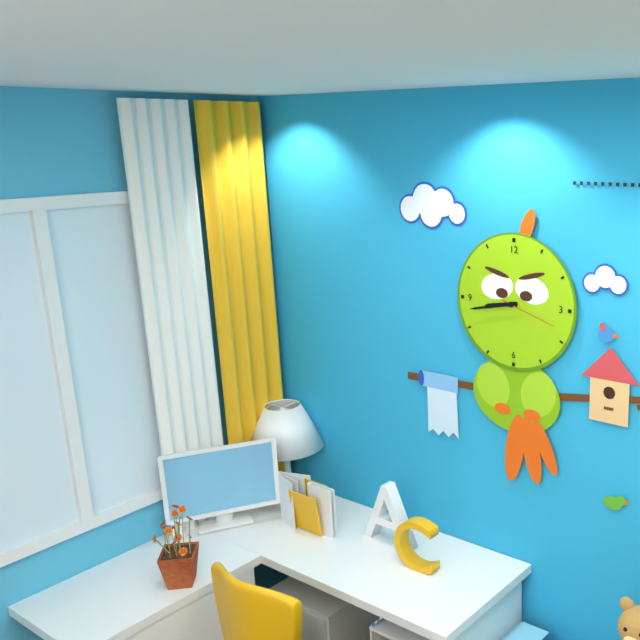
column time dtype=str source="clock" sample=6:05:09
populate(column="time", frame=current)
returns 8:43:18
